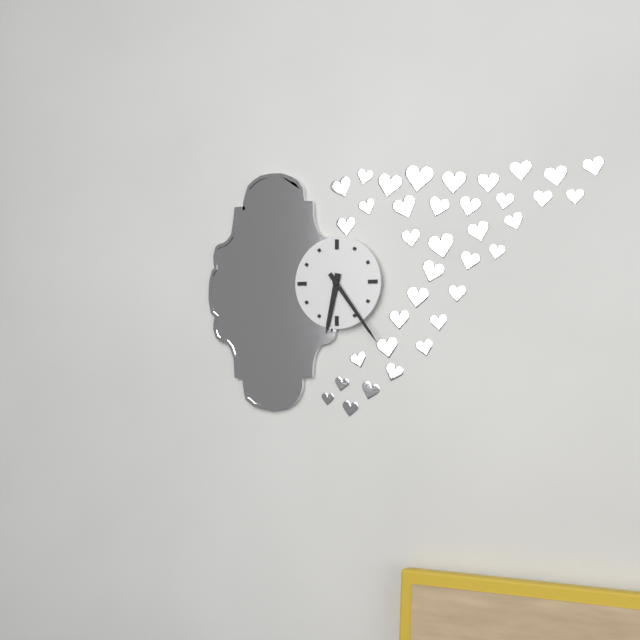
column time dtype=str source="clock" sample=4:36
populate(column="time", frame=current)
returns 6:24
